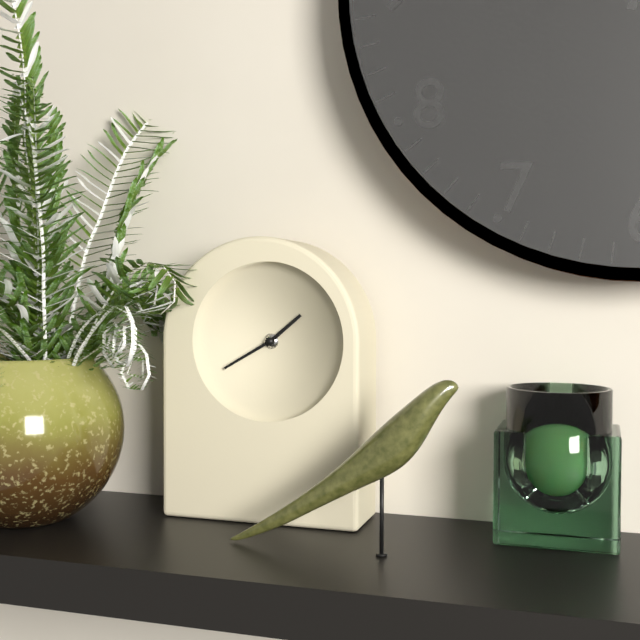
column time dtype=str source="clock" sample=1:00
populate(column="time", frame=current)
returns 1:40
